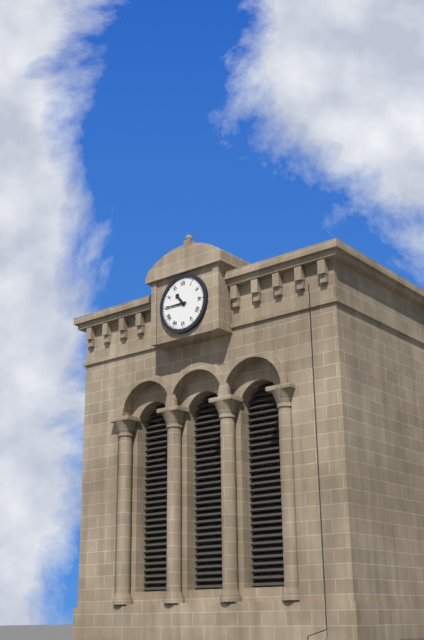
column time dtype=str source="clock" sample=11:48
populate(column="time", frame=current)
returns 10:45
